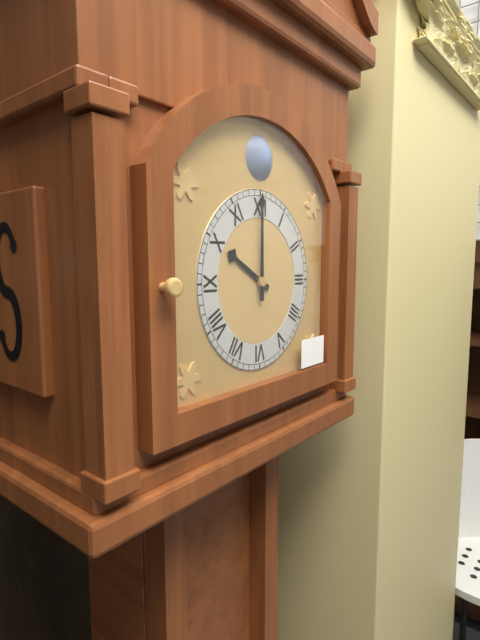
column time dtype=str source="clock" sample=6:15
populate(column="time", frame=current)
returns 10:00
